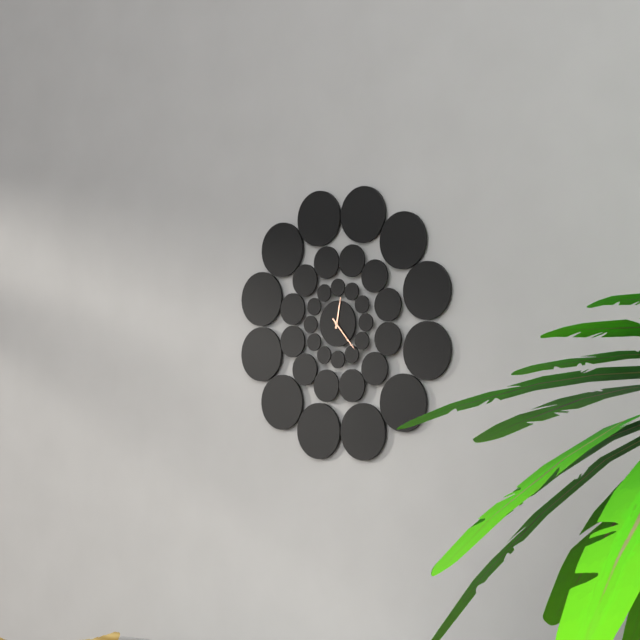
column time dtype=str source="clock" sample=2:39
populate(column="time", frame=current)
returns 12:23
